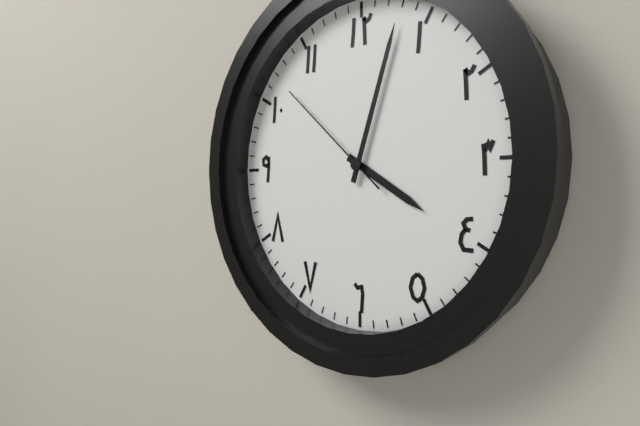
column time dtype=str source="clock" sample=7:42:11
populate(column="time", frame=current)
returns 4:03:52
